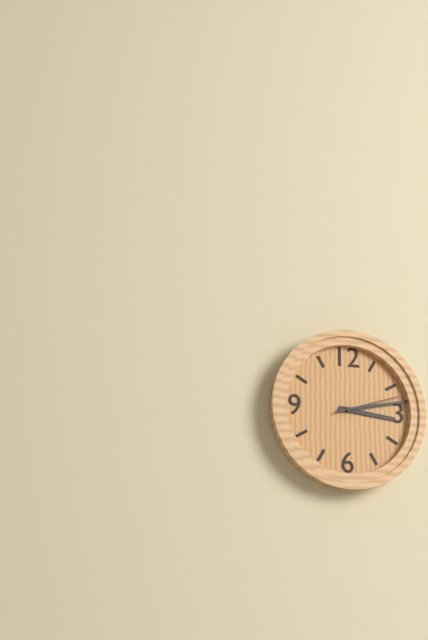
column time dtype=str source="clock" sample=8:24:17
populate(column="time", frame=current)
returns 3:13:12
